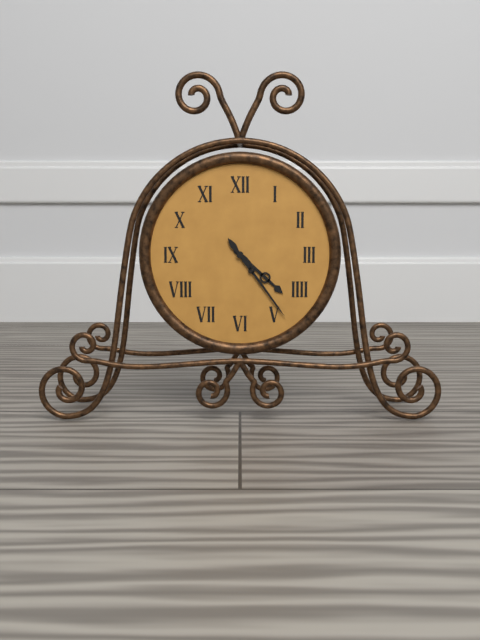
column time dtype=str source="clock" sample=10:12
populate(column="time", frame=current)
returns 4:24
